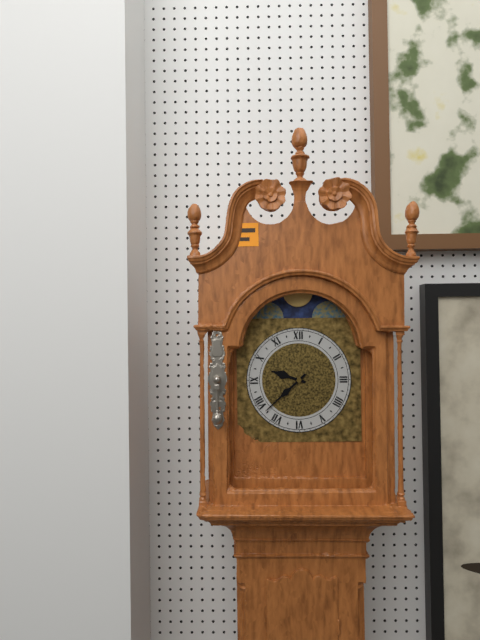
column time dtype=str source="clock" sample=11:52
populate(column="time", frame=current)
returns 9:38
